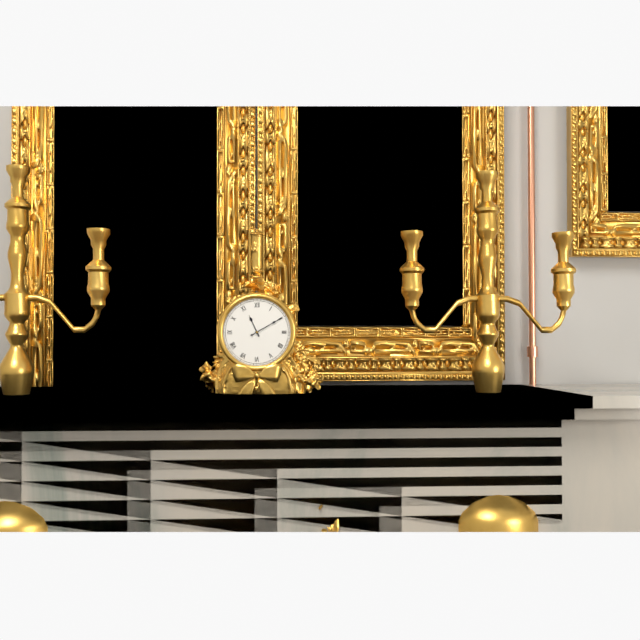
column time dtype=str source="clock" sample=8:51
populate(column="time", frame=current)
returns 11:10
